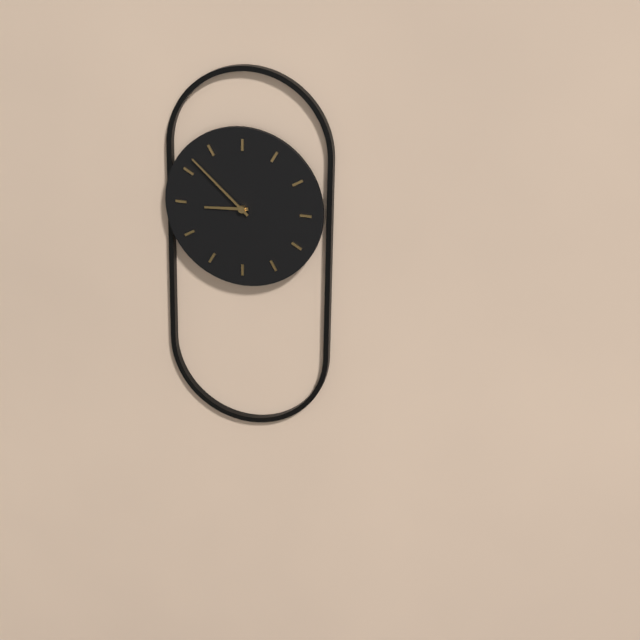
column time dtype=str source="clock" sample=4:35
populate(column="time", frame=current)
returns 8:52
